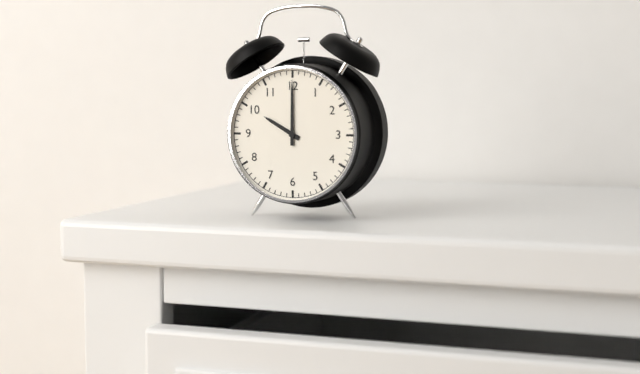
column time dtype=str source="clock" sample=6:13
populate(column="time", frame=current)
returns 10:00
